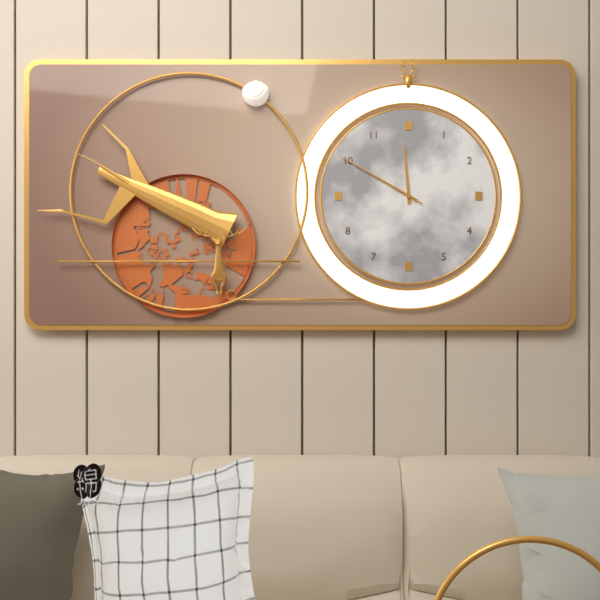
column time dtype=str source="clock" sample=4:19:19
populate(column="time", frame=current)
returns 11:50:50
